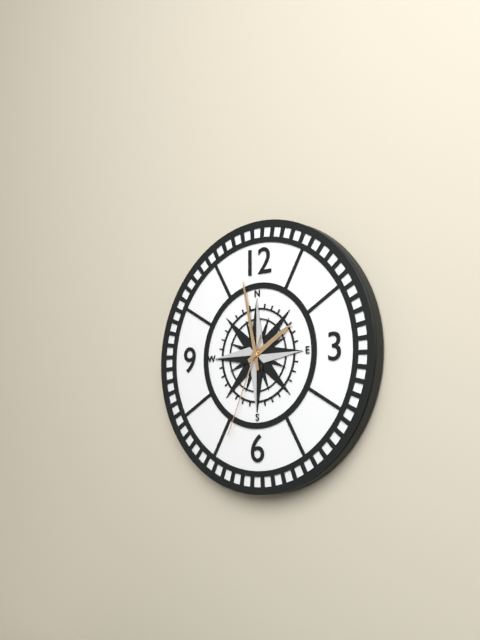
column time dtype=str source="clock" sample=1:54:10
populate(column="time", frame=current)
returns 1:58:34
